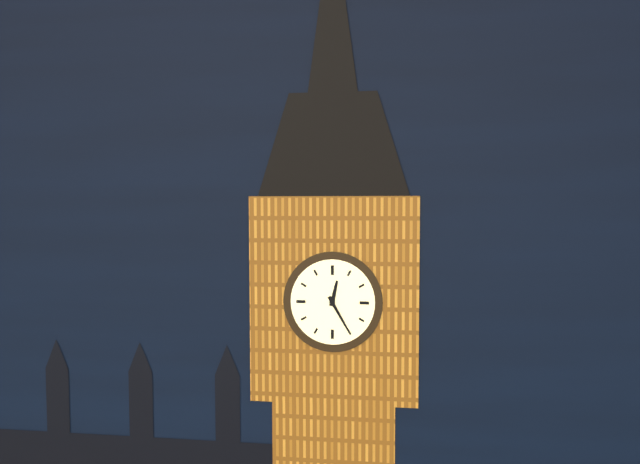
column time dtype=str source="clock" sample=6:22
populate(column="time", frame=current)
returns 12:25
